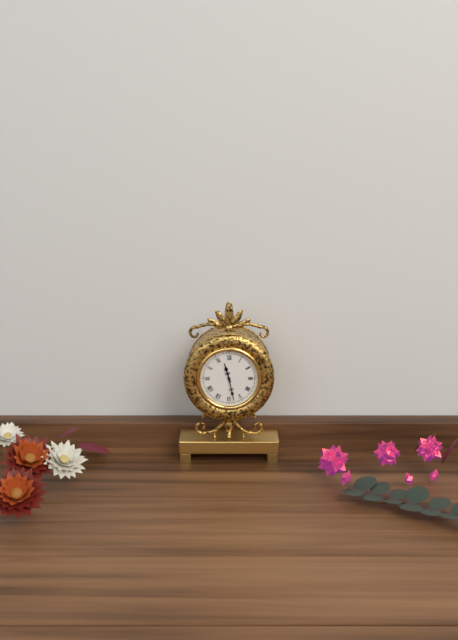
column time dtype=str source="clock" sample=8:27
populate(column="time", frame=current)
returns 11:28
